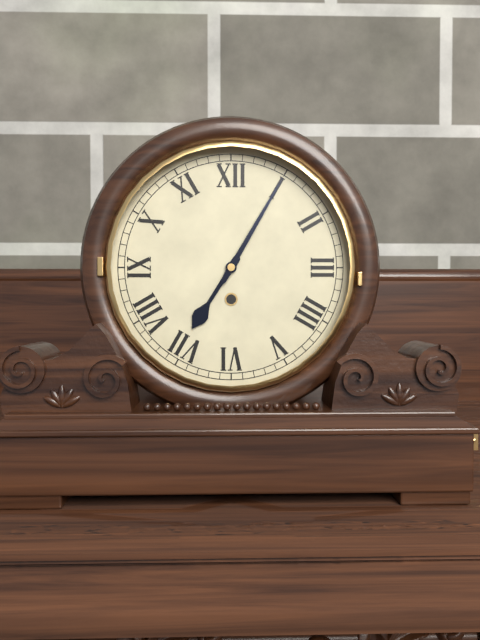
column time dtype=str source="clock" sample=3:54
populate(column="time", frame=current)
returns 7:05
